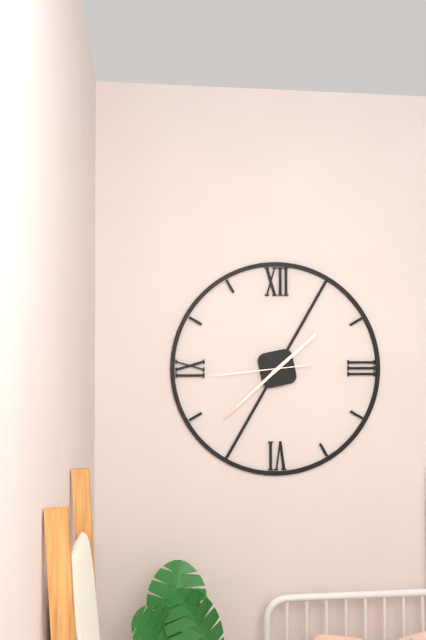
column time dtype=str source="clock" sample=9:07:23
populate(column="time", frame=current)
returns 1:38:44
